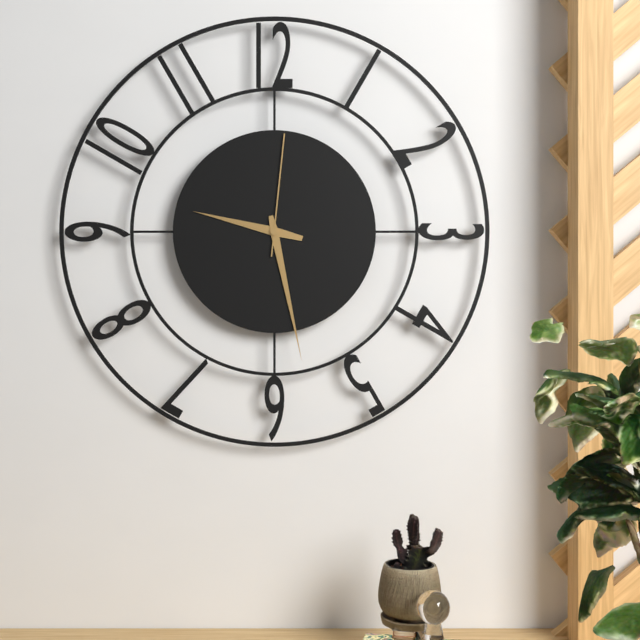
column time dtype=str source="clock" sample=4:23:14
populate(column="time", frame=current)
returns 9:28:01
